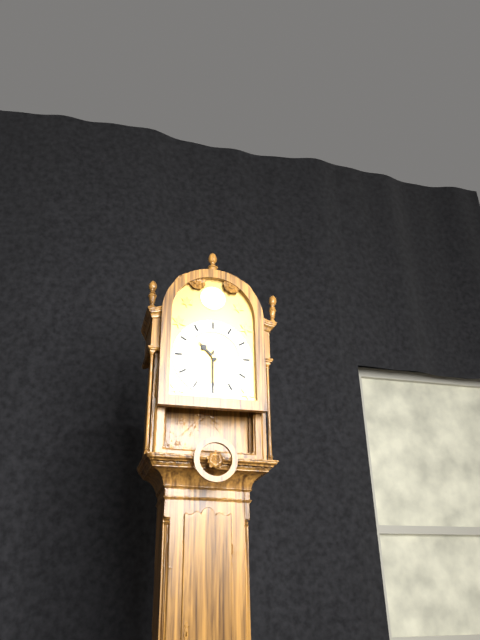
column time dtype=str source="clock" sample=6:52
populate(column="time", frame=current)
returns 10:30
